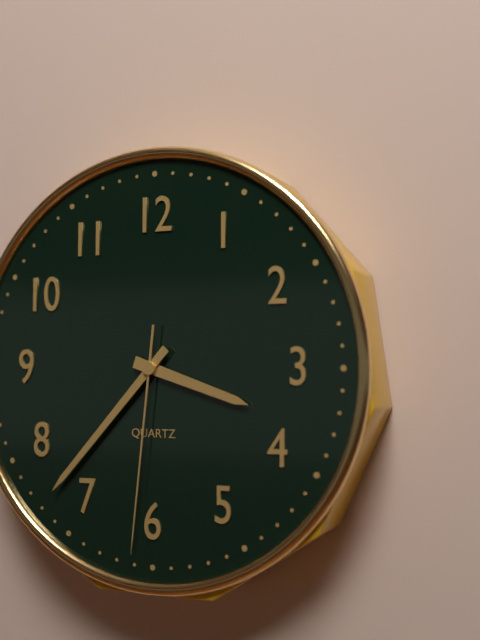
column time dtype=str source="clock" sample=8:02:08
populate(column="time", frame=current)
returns 3:37:31
